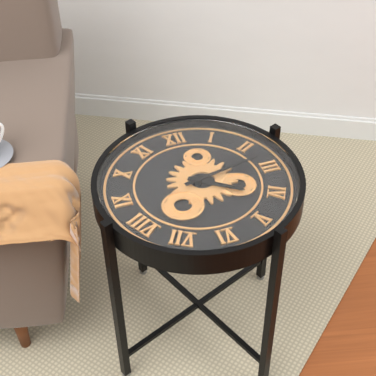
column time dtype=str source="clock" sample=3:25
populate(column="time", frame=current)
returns 4:13
